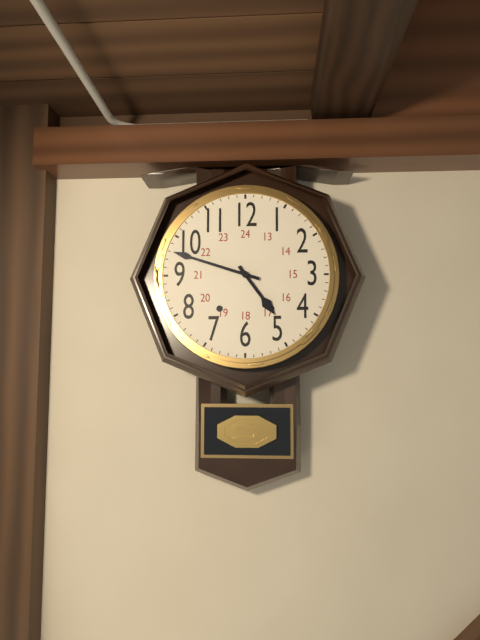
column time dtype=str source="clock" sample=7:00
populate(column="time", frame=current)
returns 4:48
